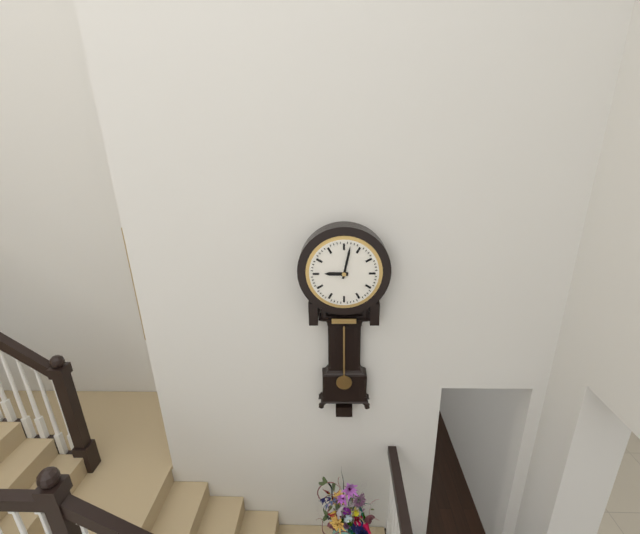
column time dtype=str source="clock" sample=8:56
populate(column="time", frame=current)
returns 9:02
